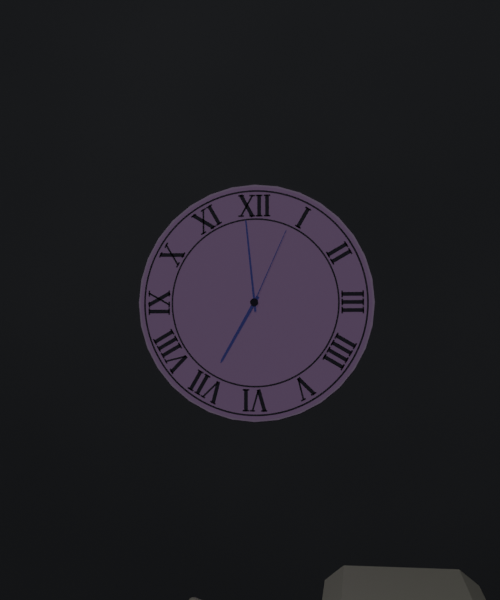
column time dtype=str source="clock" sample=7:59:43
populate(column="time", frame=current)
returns 6:59:04
